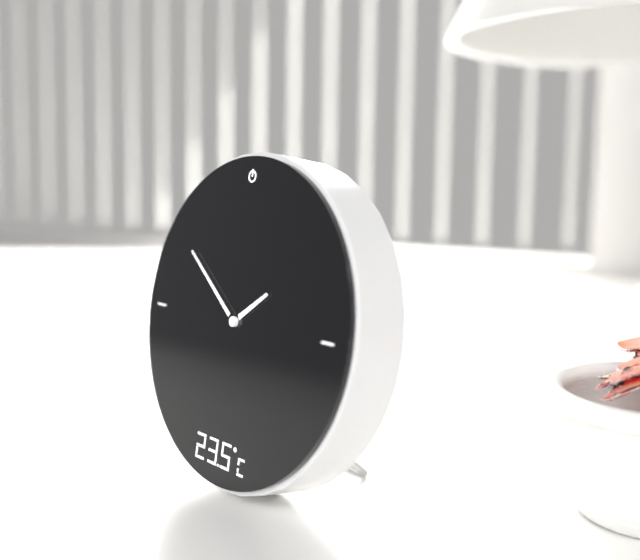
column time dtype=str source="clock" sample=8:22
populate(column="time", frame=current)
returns 1:51
